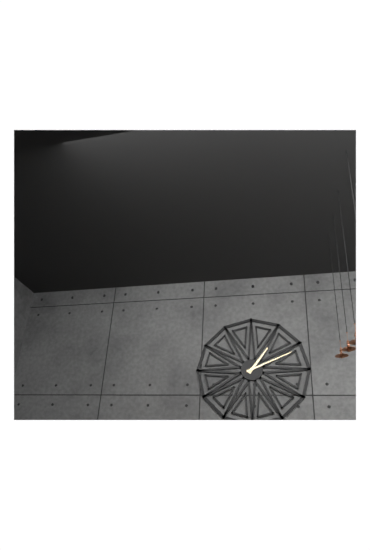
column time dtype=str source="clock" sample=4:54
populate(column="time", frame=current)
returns 1:11
